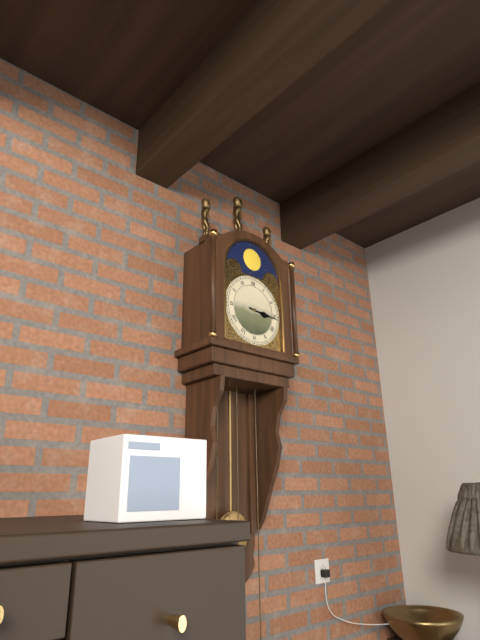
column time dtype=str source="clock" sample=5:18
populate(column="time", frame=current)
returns 3:16
